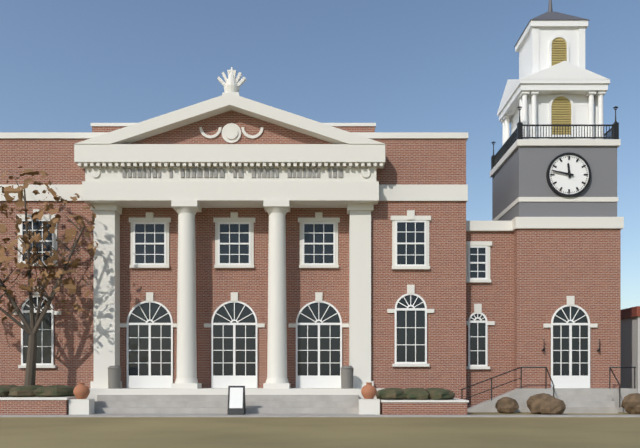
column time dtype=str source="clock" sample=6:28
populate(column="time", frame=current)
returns 11:47
